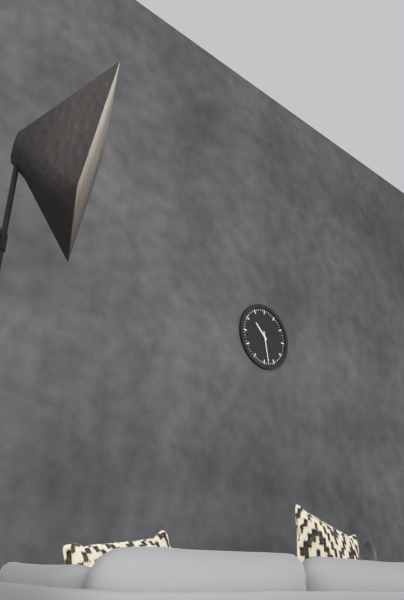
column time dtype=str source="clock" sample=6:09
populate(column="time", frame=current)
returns 10:28
